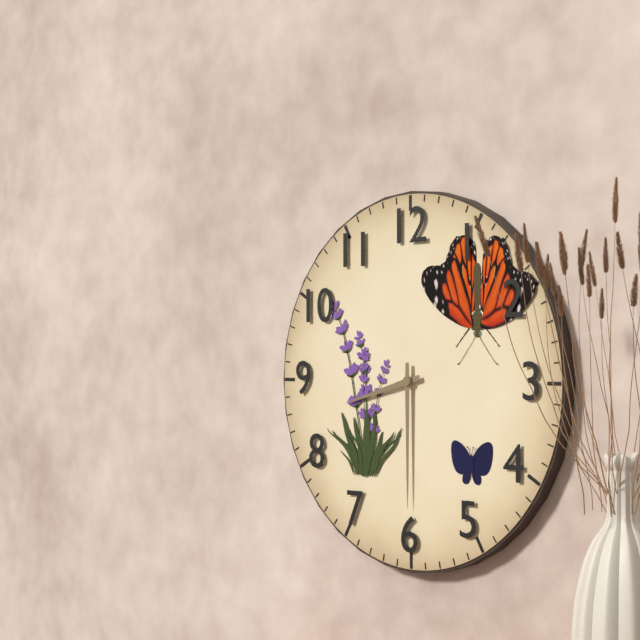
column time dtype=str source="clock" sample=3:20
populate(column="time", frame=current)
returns 8:30
